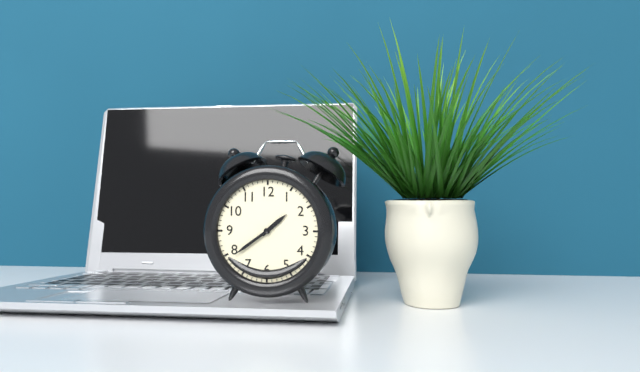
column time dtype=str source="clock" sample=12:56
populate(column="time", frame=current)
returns 1:39
